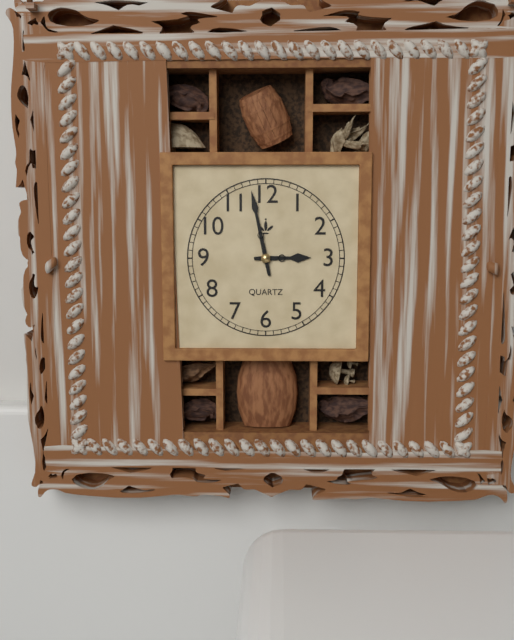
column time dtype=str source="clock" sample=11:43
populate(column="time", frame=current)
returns 2:58
